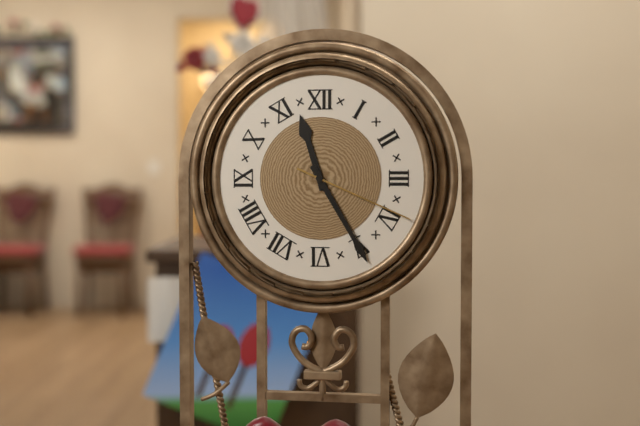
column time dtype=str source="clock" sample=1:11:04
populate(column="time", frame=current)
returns 11:25:19
